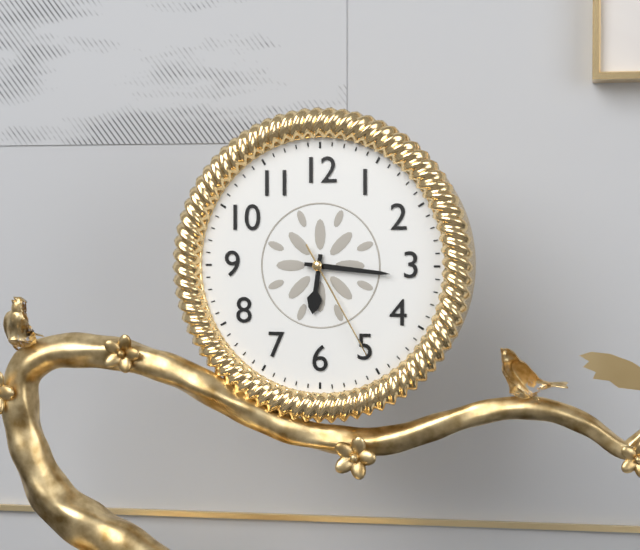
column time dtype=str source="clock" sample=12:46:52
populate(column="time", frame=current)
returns 6:16:25
